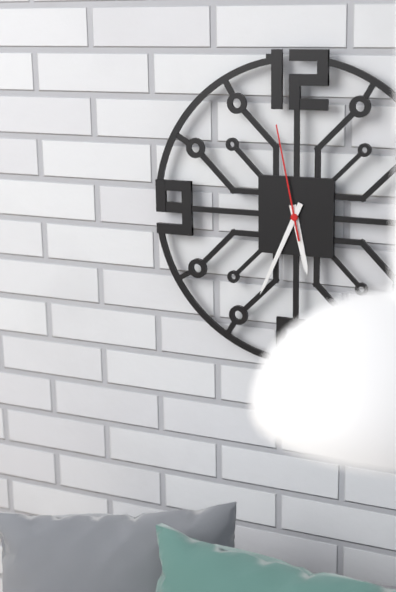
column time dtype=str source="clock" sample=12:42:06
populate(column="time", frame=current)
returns 5:34:58
